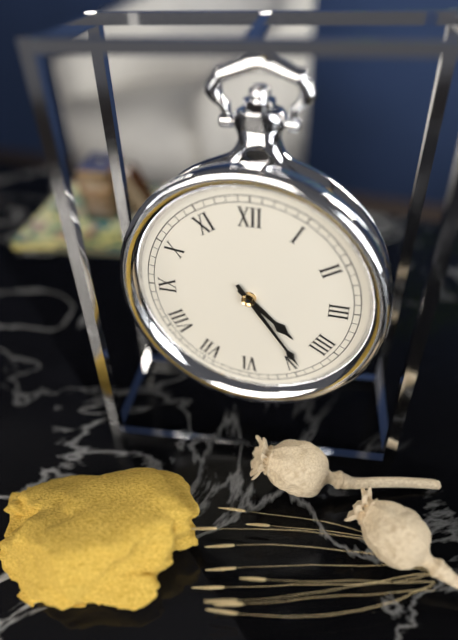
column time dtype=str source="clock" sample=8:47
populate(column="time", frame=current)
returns 4:24
